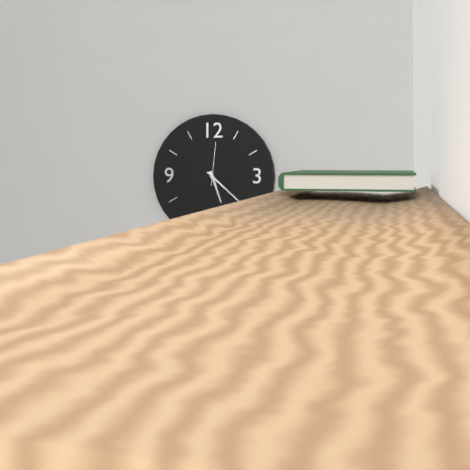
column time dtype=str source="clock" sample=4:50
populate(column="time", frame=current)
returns 5:22
